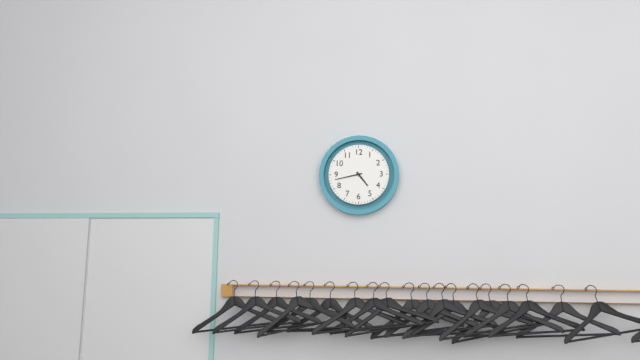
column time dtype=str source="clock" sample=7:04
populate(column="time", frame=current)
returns 4:43
